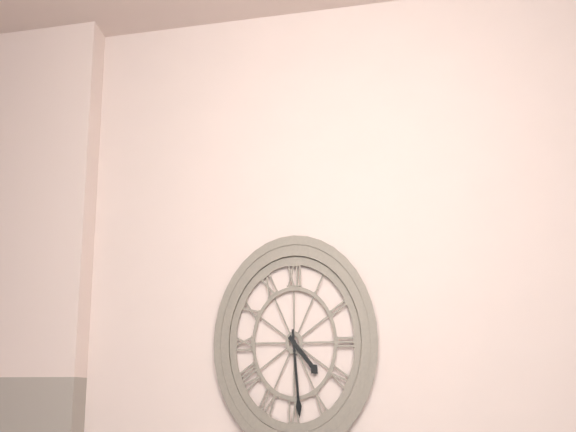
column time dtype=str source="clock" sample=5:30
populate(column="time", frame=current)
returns 4:29
